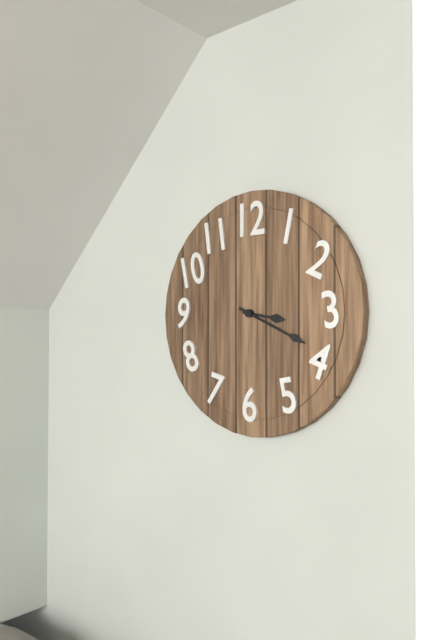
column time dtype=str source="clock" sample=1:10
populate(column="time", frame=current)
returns 3:19
